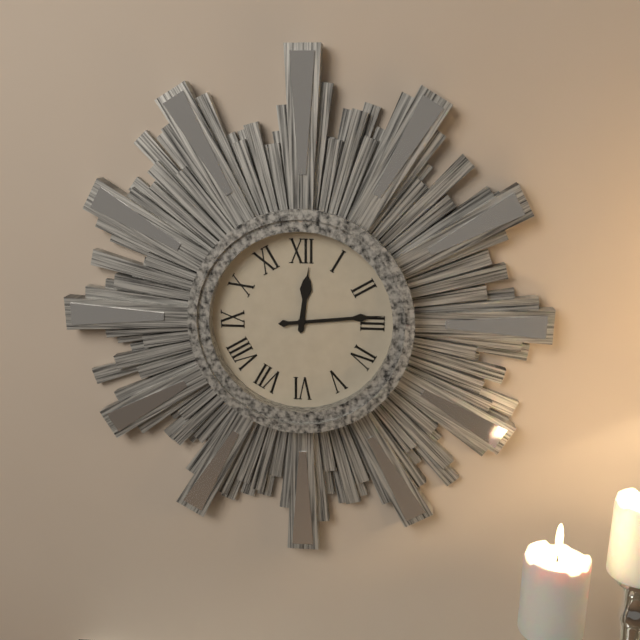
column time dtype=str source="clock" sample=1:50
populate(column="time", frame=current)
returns 12:14
